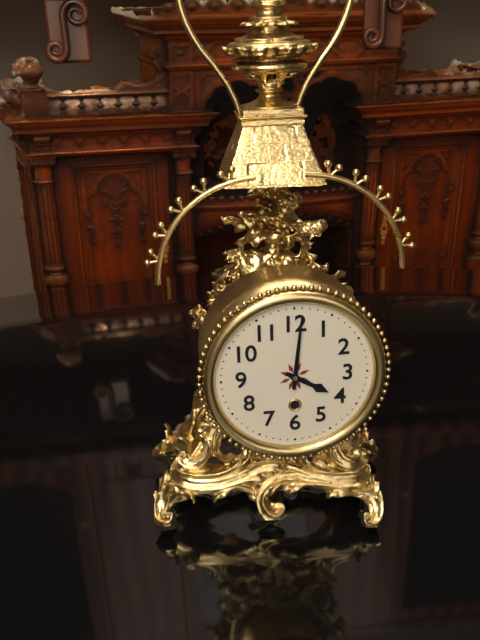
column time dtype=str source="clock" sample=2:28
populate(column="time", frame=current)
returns 4:01
